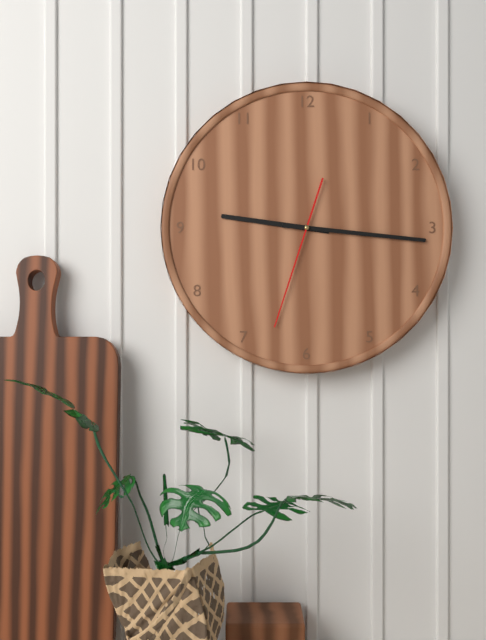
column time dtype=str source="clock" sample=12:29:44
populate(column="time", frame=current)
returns 9:16:33
